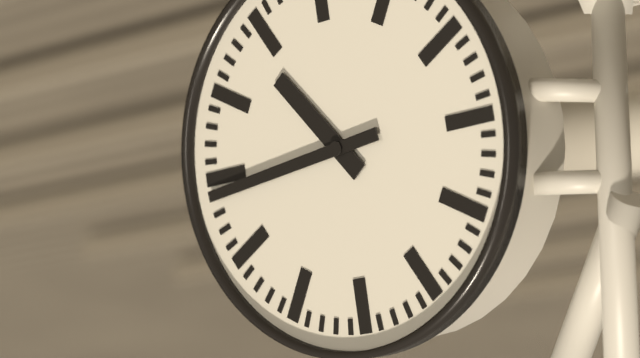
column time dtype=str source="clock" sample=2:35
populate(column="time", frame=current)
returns 10:44
